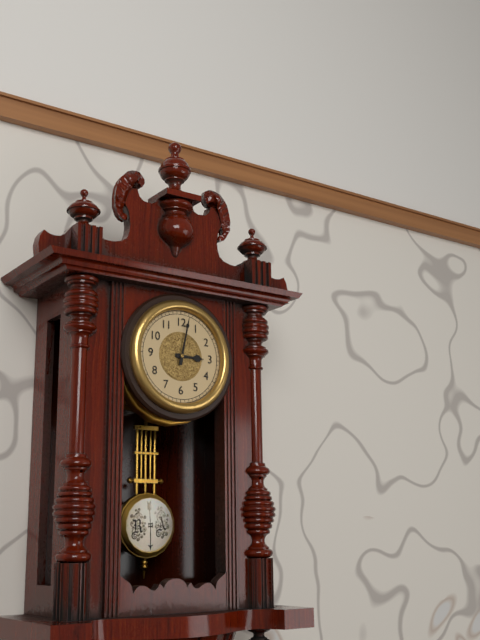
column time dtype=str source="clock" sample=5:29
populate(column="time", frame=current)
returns 3:02
